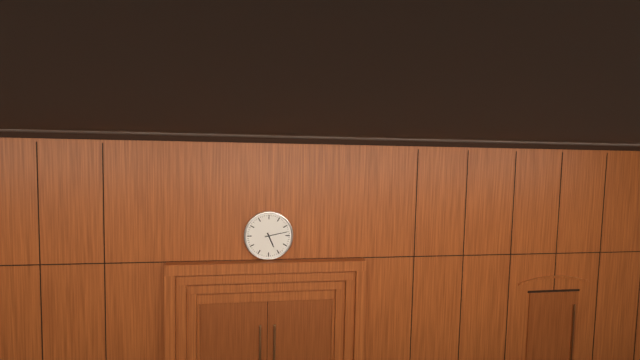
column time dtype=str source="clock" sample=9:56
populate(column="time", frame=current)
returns 5:13
